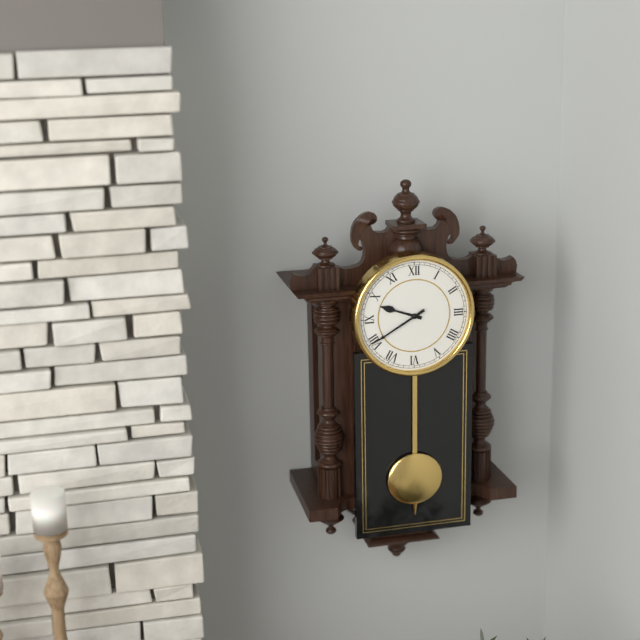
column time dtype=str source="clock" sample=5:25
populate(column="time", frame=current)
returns 9:40
